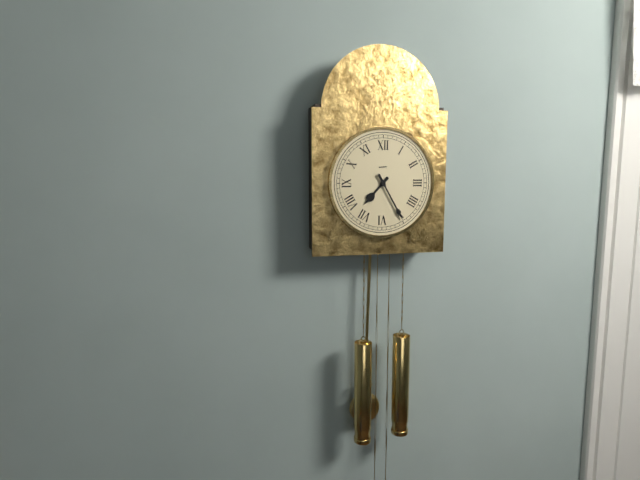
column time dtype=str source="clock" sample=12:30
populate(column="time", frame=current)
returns 7:25
